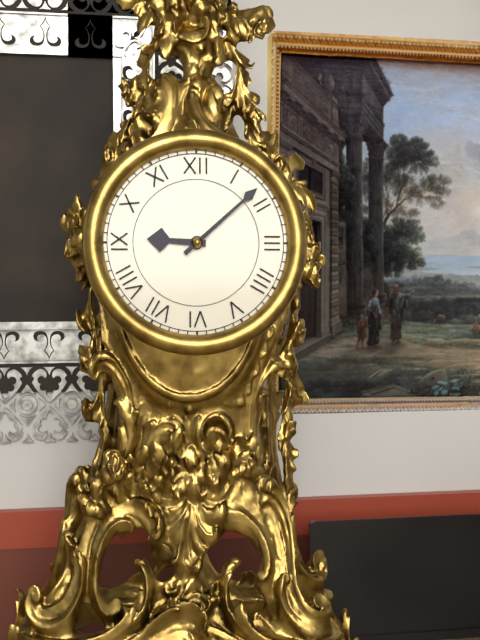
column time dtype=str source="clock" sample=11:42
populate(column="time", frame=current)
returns 9:08
